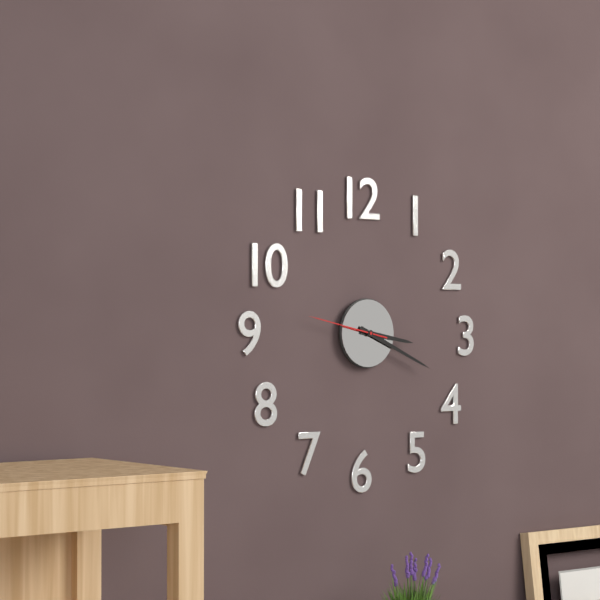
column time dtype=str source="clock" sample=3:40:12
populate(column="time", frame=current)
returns 3:19:47
